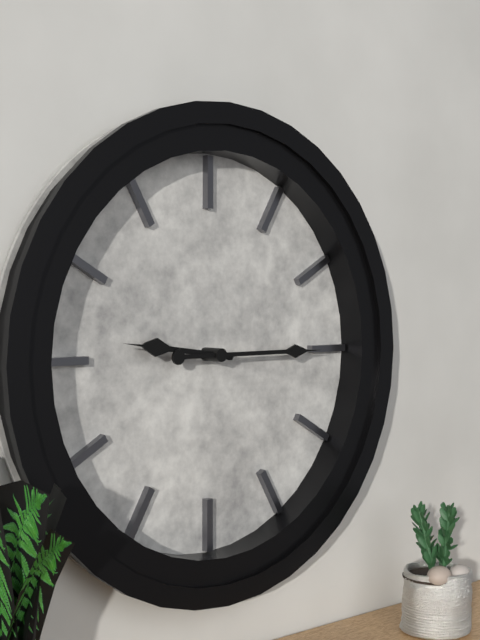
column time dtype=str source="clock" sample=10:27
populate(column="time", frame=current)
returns 9:15
